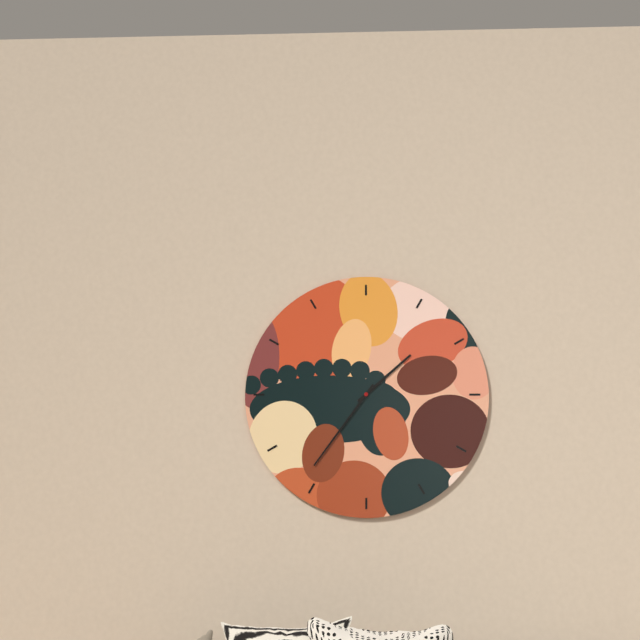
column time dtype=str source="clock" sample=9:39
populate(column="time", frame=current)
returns 1:36
